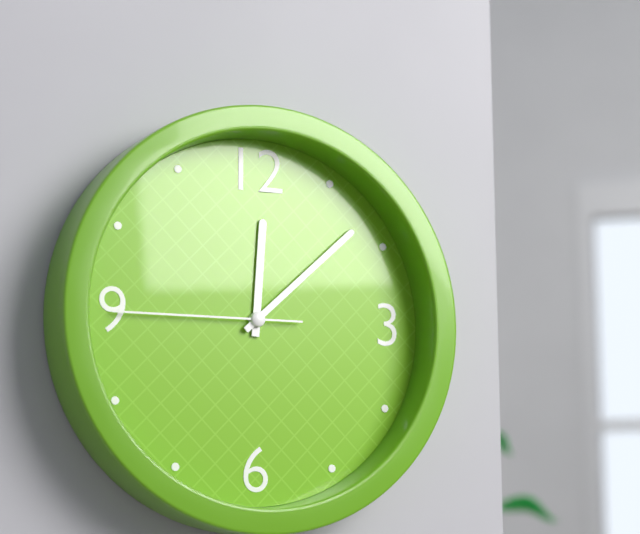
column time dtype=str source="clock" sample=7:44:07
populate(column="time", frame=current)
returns 12:08:45
